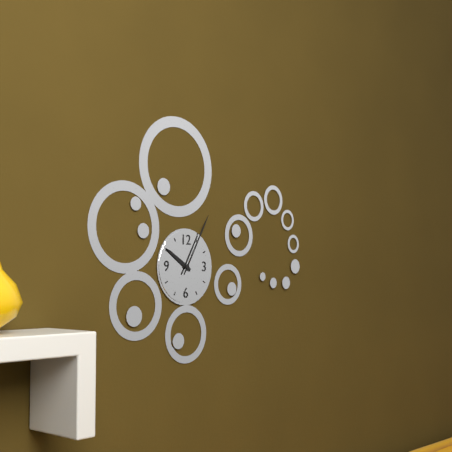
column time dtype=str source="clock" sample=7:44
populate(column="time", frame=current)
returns 10:05
